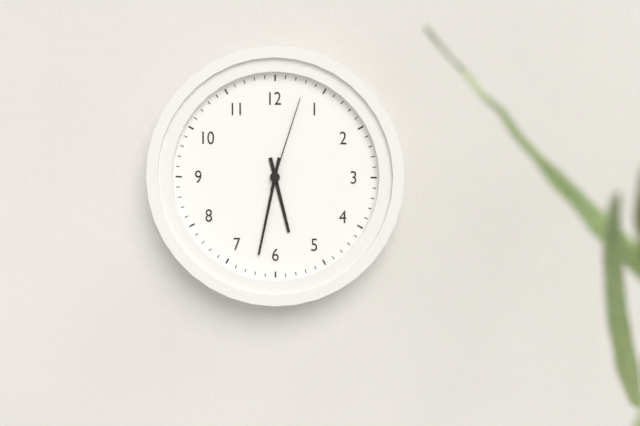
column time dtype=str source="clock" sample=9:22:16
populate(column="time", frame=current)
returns 5:32:03
